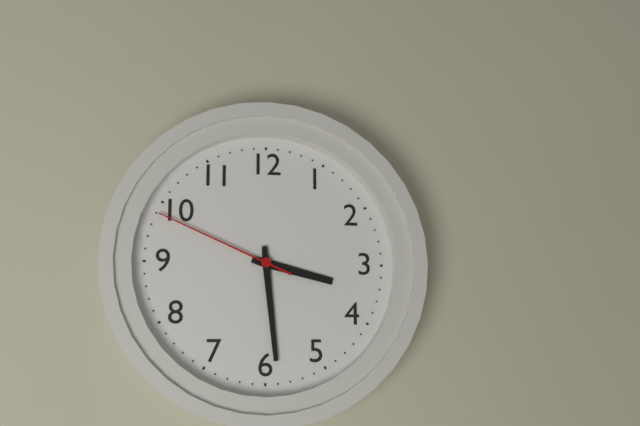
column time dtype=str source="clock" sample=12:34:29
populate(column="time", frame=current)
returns 3:29:49
